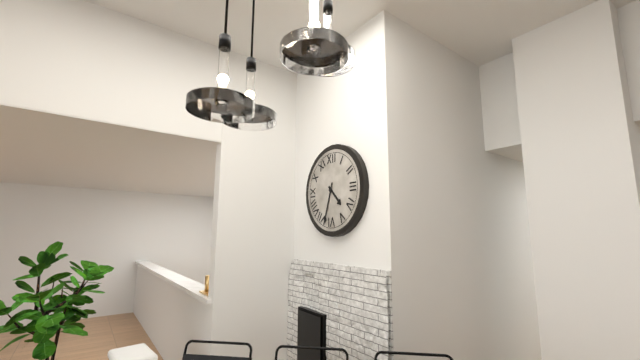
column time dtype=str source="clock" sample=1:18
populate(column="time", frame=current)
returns 4:33
